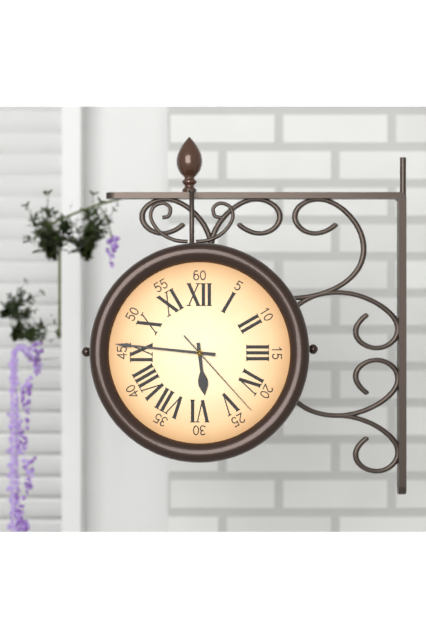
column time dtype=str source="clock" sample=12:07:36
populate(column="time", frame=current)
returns 5:46:23
